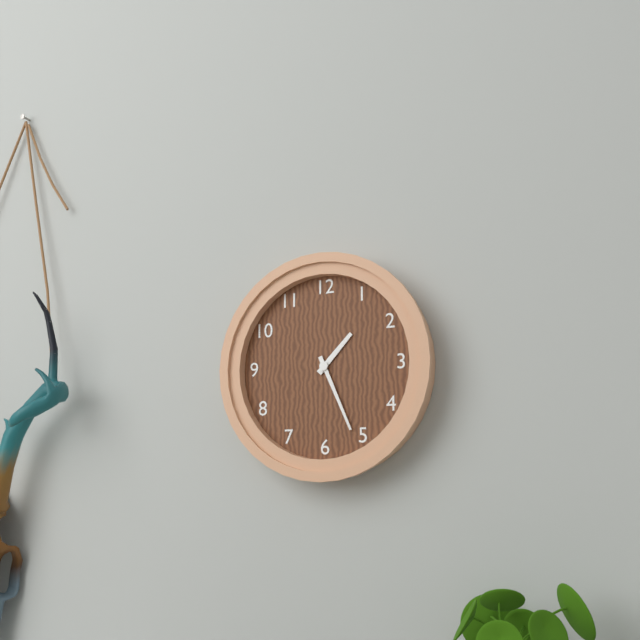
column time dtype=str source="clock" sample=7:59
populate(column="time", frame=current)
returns 1:26
